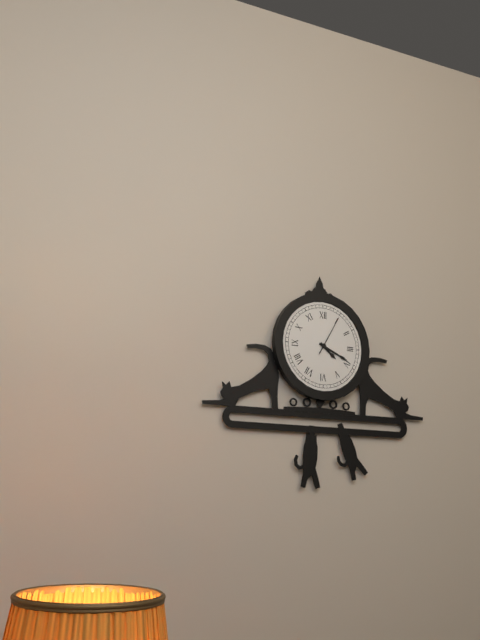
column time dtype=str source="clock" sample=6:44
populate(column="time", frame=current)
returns 4:19
